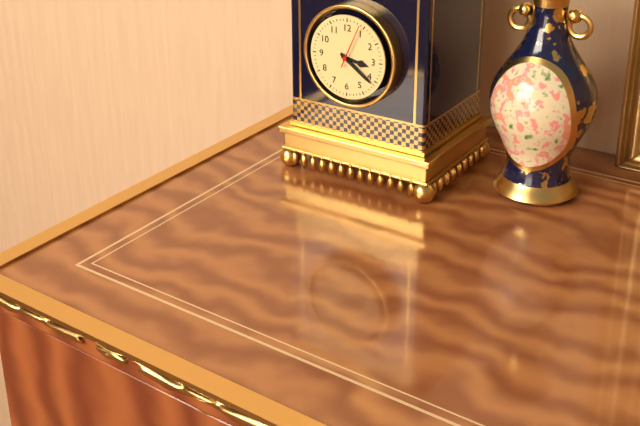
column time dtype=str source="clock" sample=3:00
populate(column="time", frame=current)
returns 3:21
